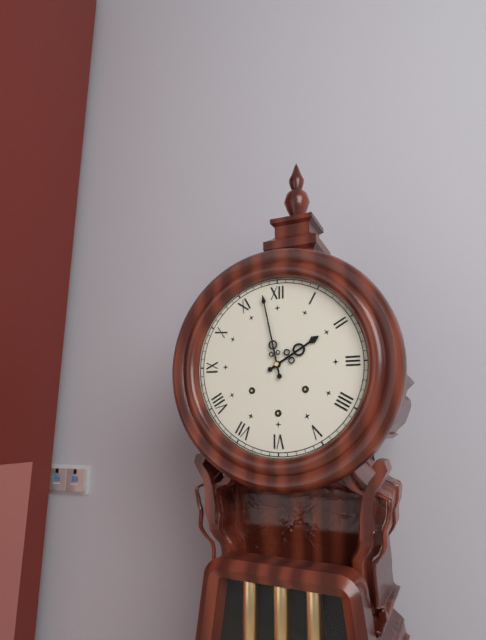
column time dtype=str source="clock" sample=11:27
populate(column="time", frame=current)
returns 1:58
